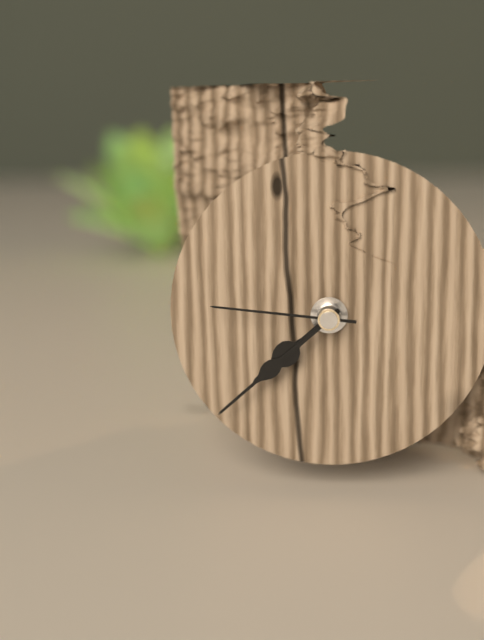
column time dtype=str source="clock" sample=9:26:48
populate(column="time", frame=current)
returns 7:38:46
